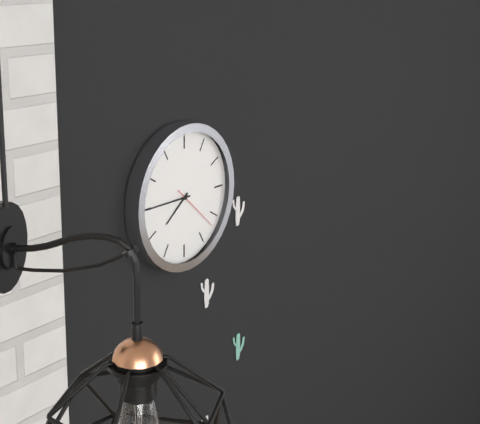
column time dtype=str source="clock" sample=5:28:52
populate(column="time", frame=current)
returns 7:45:22
